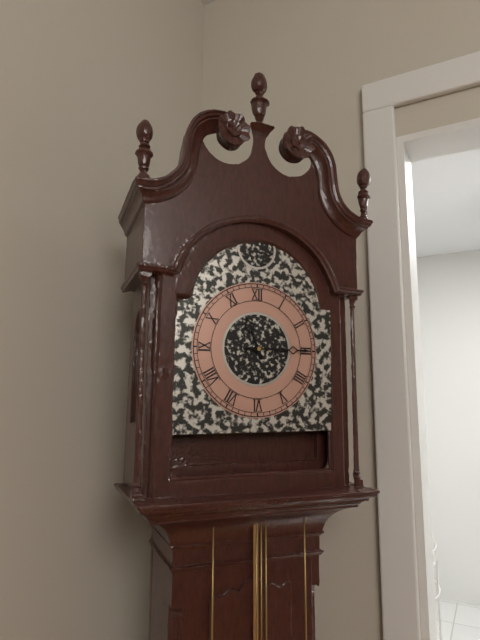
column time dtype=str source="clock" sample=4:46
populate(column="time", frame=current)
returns 11:15
